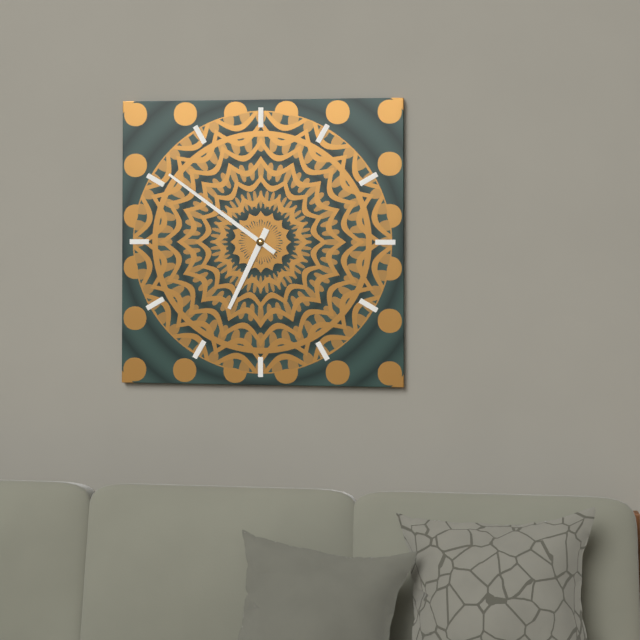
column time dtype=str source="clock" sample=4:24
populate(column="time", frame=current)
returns 6:51
